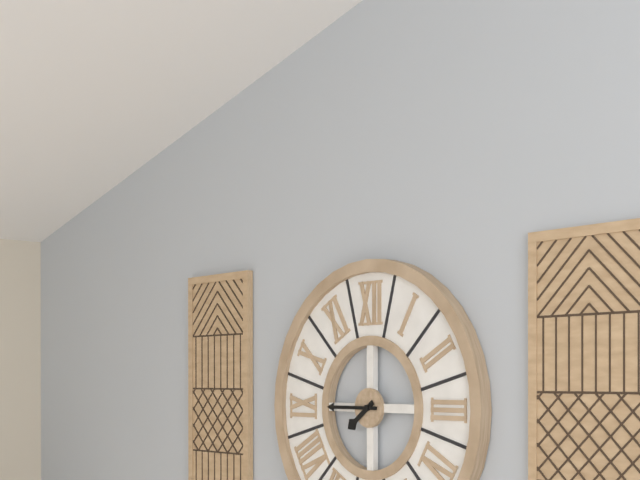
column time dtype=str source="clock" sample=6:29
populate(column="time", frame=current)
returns 7:45
